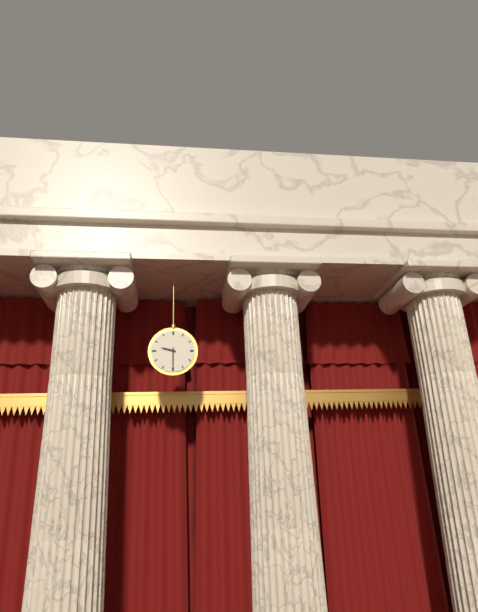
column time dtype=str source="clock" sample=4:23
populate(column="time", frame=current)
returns 9:30
